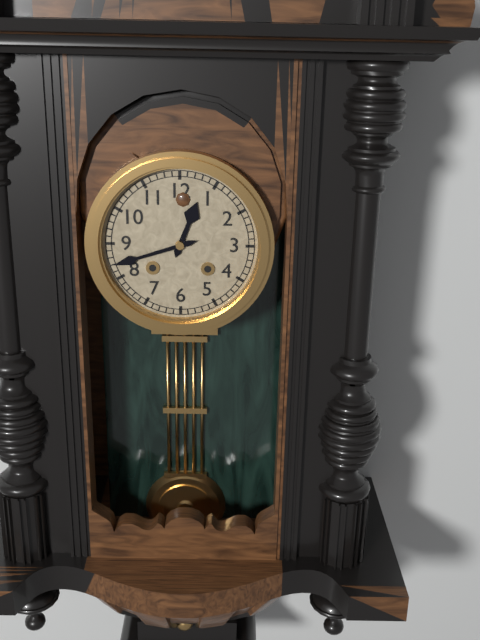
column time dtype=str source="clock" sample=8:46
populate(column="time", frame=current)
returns 12:42
